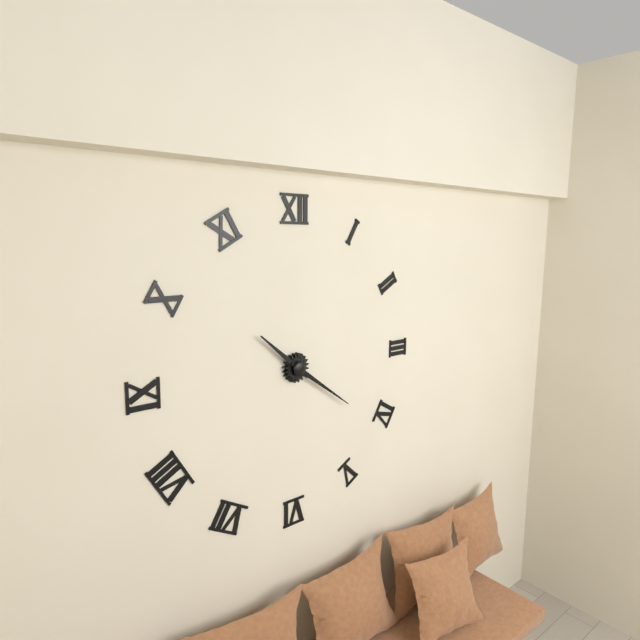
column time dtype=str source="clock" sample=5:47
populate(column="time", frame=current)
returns 10:21
